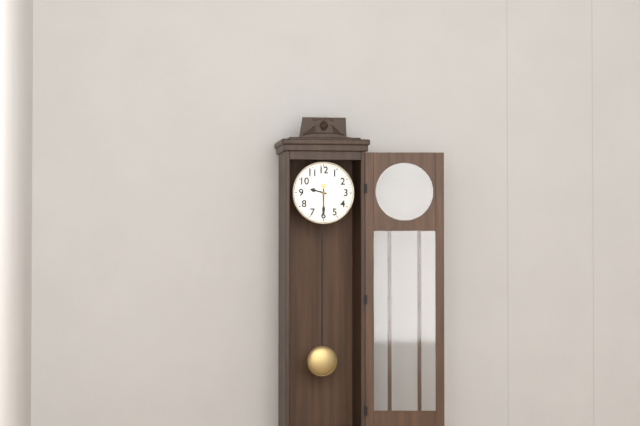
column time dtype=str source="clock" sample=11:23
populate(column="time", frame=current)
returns 9:30
